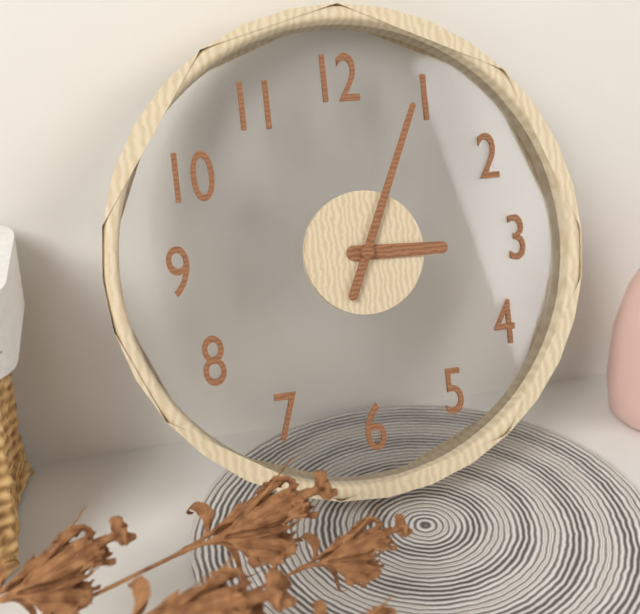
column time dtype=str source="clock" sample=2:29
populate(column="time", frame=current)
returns 3:04
